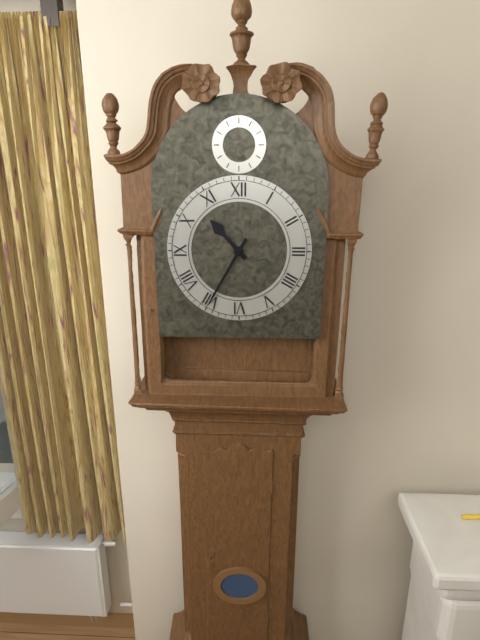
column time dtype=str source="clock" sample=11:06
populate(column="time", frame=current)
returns 10:35
